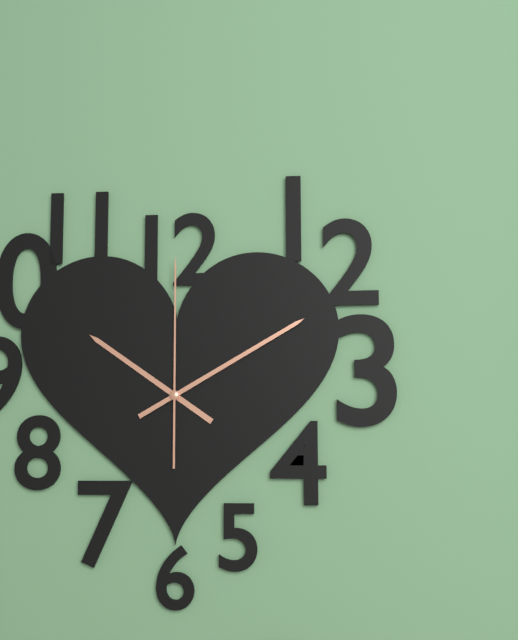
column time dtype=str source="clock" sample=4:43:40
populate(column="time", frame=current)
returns 10:10:00
